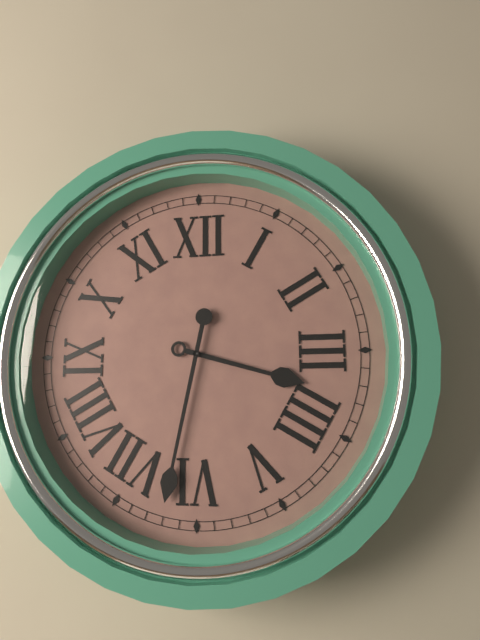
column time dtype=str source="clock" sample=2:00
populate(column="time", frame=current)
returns 3:32
